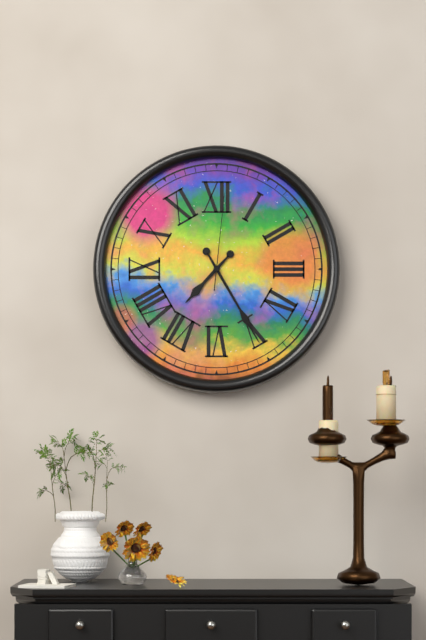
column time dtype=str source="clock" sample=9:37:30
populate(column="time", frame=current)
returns 7:25:01
